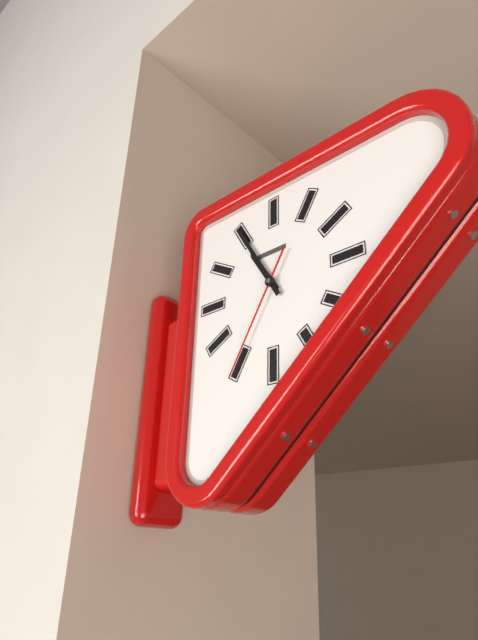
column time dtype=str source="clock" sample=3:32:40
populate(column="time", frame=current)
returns 10:55:35
